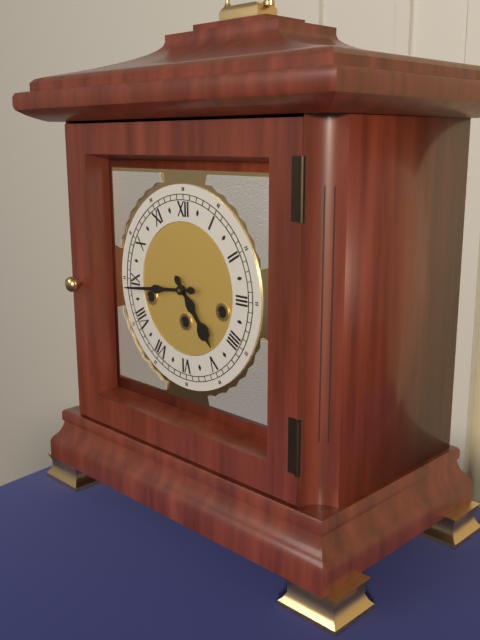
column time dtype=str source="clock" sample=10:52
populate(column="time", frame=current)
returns 4:44
